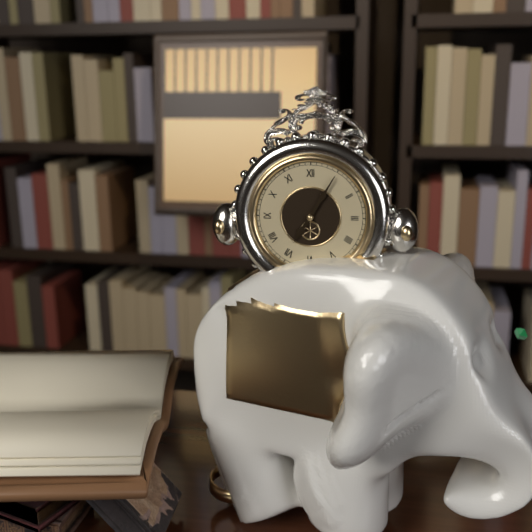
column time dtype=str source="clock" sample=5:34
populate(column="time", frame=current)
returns 7:05
